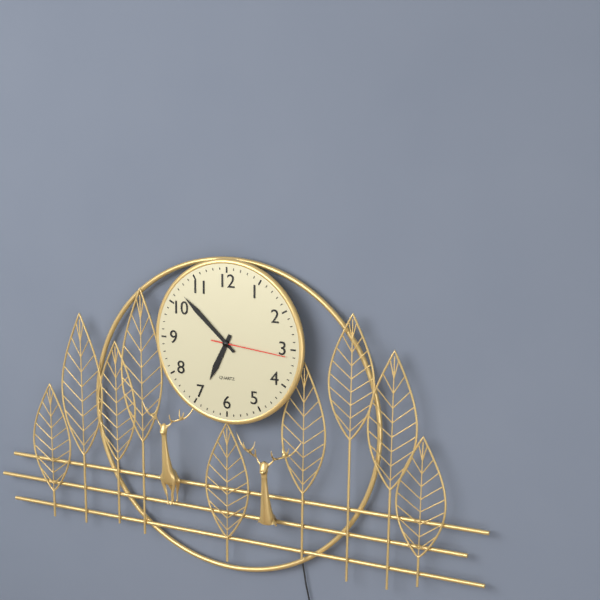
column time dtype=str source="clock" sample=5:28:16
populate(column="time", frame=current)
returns 6:52:16
